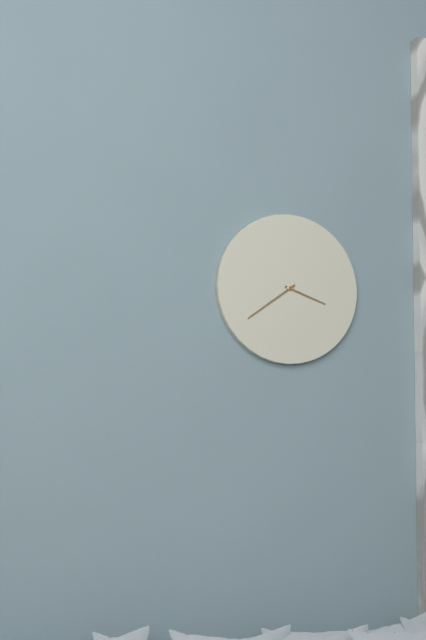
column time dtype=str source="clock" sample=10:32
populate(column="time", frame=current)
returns 3:39
